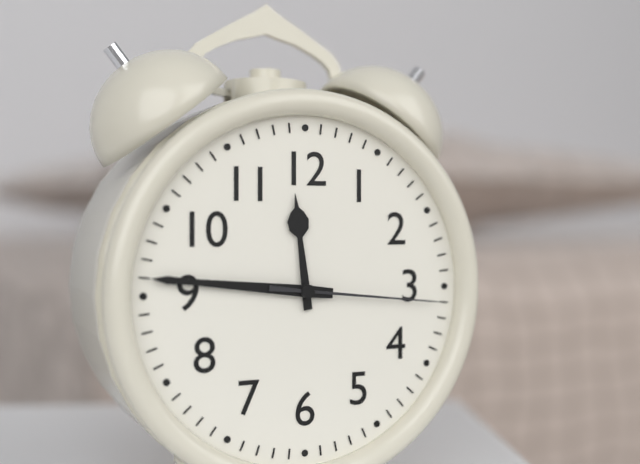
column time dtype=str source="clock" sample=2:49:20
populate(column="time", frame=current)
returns 11:46:16
